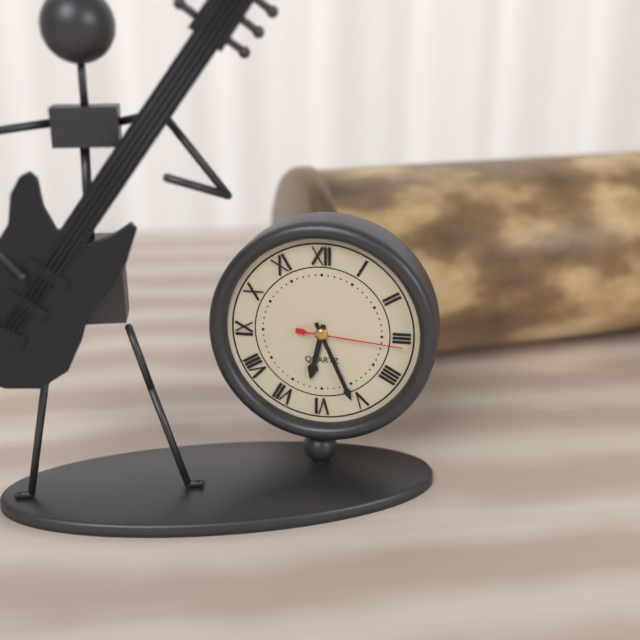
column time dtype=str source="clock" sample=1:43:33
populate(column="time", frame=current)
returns 6:26:16
